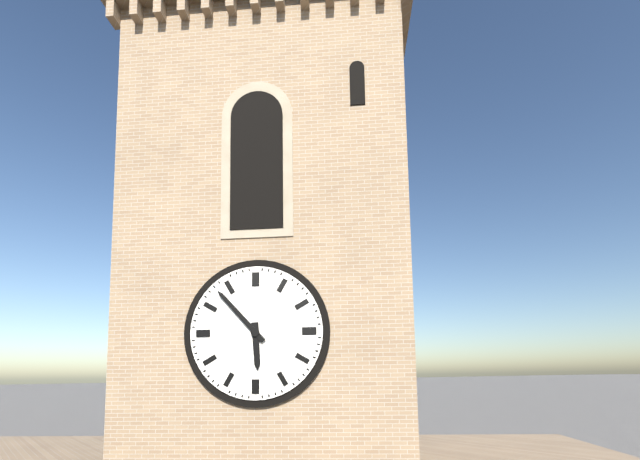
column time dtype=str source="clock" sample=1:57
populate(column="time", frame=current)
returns 5:53
